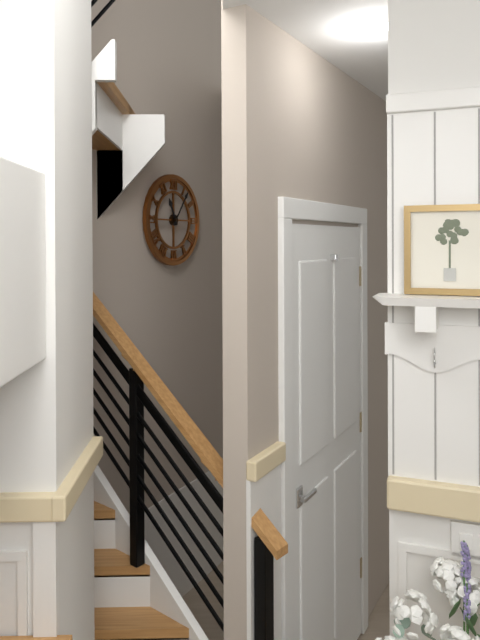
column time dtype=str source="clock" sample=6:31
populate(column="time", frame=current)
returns 11:06
